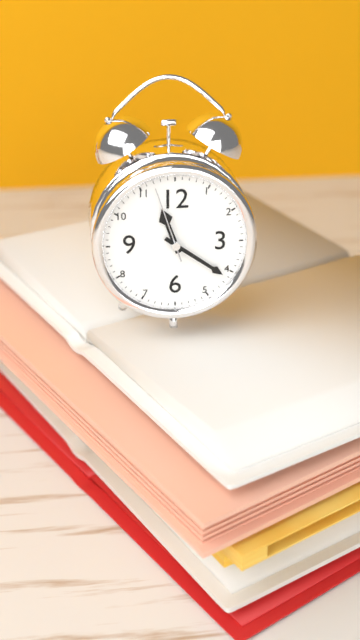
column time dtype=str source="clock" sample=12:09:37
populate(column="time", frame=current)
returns 11:21:57
